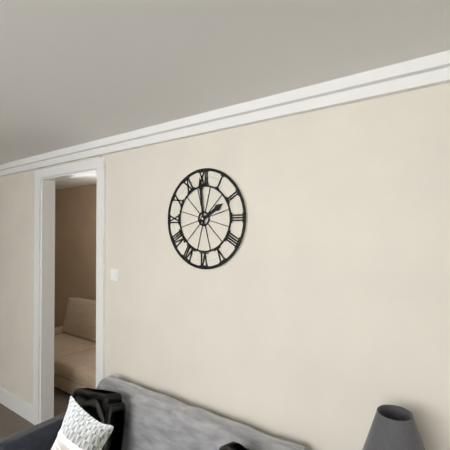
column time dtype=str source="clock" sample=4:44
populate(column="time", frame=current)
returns 1:59
